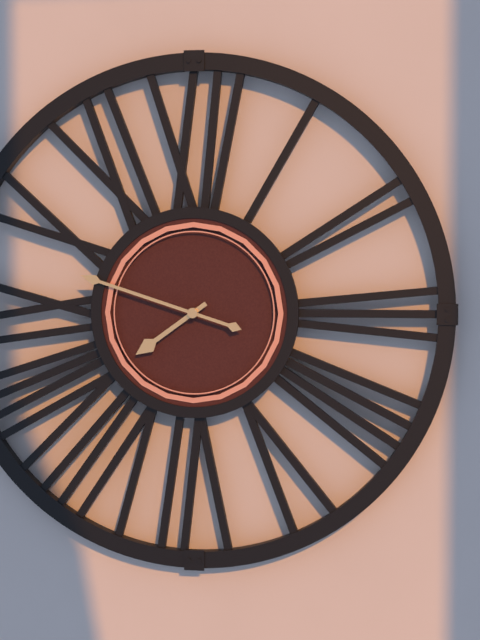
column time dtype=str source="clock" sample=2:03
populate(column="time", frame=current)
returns 7:48
